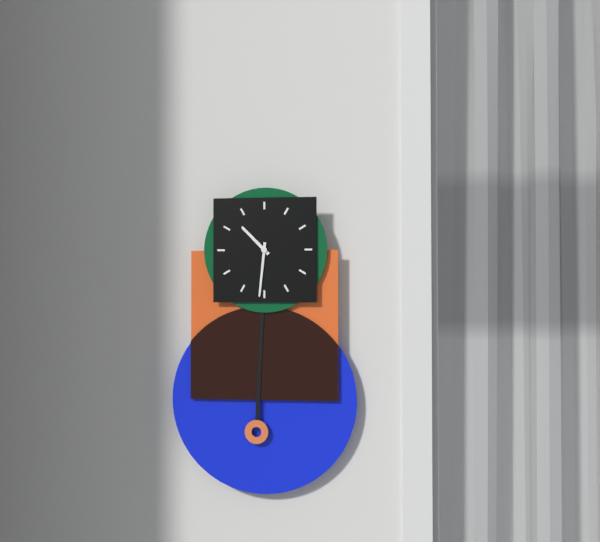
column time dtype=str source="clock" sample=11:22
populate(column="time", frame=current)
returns 10:31
